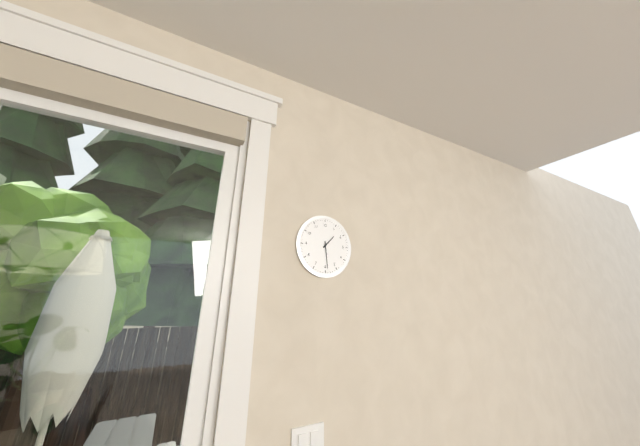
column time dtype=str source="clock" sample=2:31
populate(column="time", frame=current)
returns 1:29
